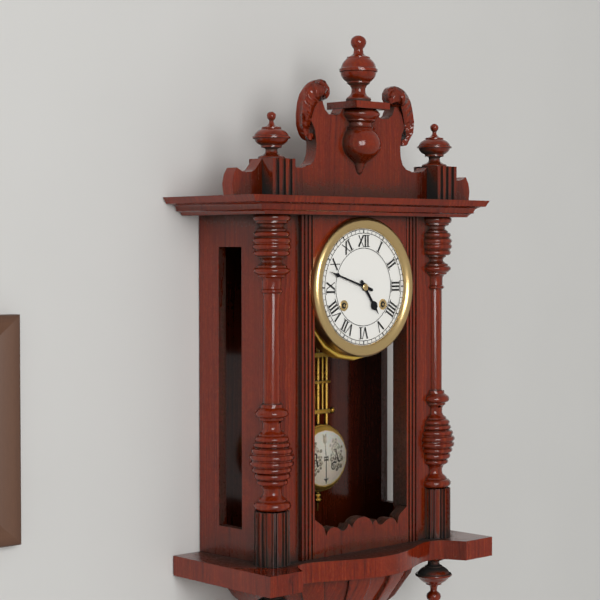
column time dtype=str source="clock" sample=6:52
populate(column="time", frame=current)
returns 4:48
